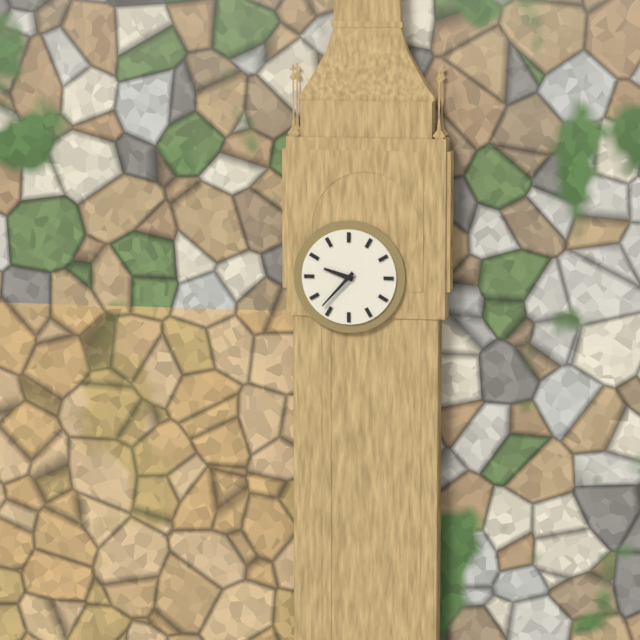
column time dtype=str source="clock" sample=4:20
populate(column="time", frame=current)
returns 9:37
